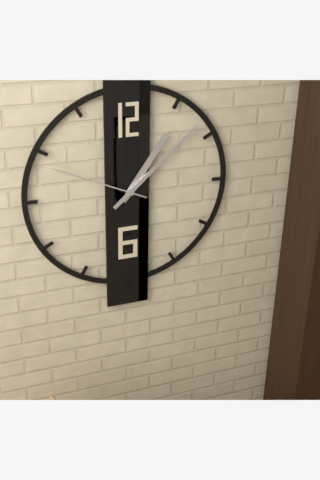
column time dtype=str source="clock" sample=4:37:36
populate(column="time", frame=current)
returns 1:08:49
